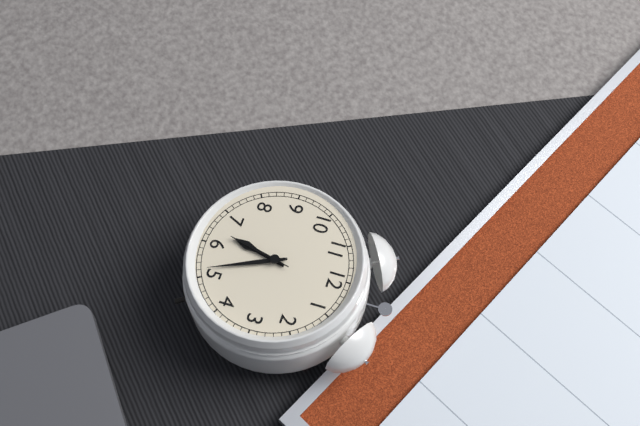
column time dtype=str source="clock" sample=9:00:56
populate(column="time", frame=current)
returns 6:26:32
